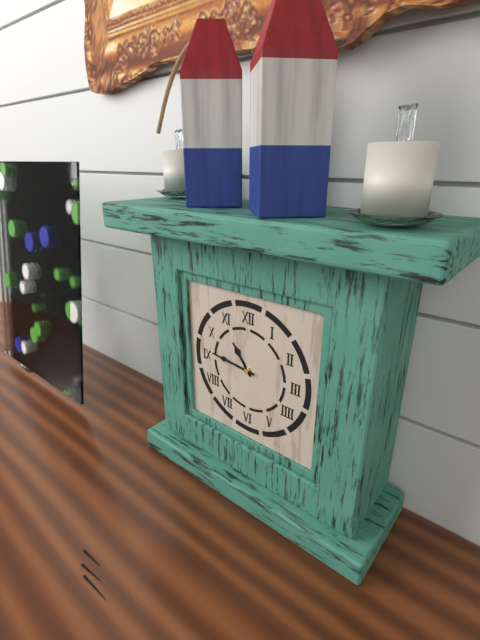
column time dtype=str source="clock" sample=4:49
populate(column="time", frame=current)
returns 10:46
